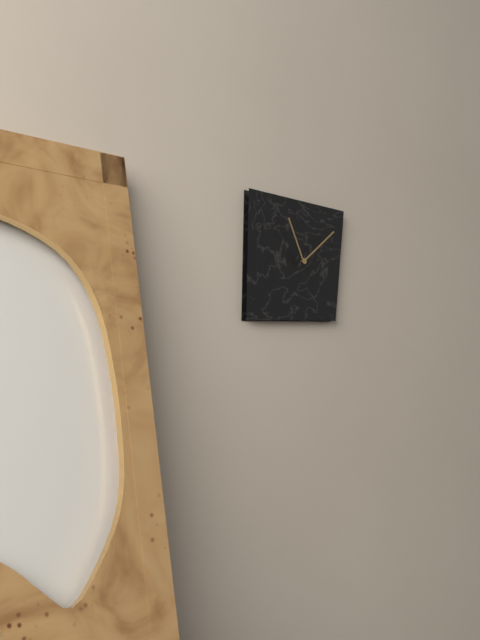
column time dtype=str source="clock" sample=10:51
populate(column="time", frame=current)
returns 11:08
